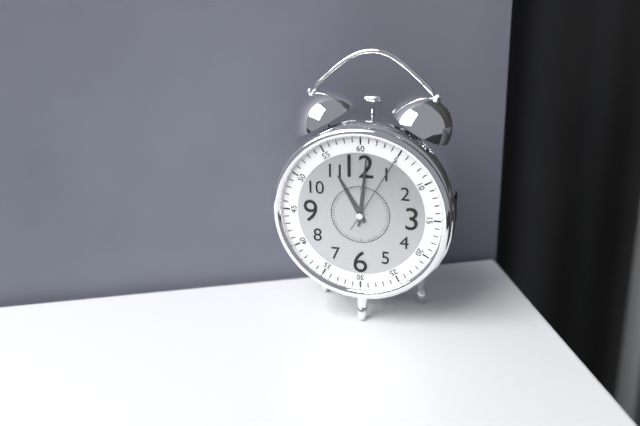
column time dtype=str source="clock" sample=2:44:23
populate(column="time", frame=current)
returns 11:01:05
